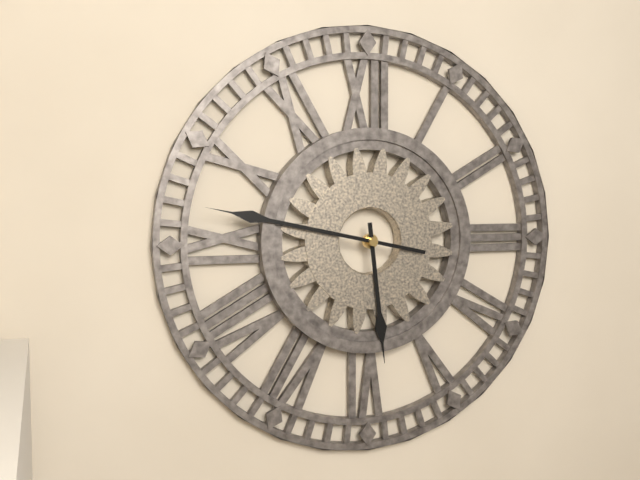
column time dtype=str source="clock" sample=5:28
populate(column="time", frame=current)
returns 5:47
